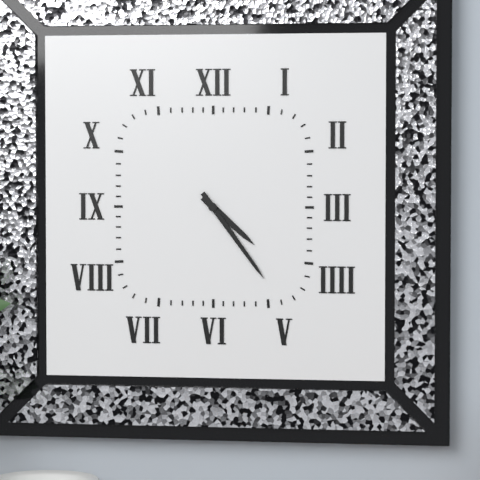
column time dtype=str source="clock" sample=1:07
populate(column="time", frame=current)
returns 4:24
